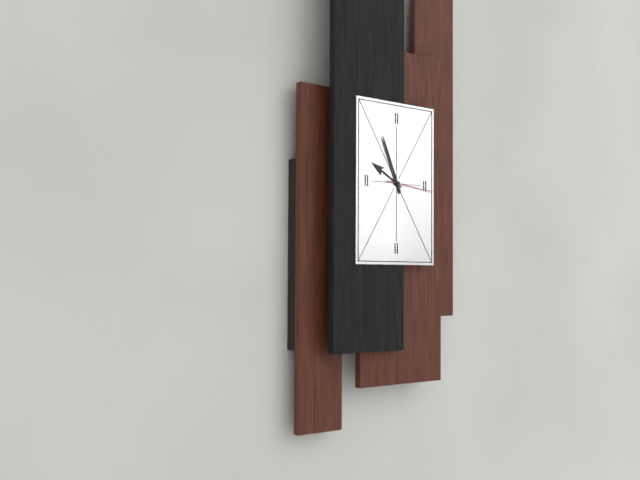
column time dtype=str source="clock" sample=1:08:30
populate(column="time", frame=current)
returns 9:56:16
